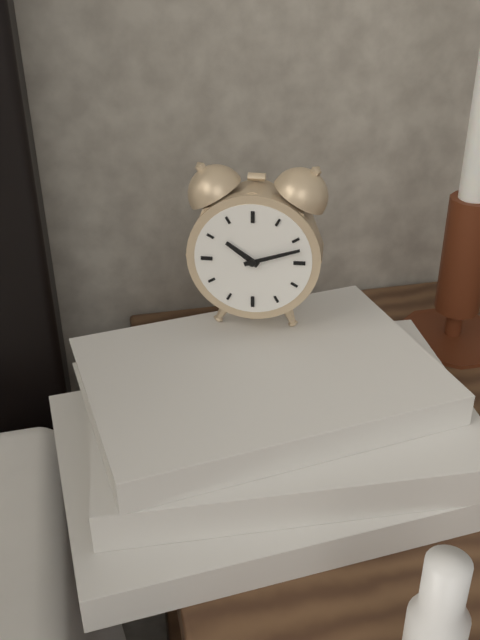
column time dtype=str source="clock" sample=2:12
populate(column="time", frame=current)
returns 10:12
